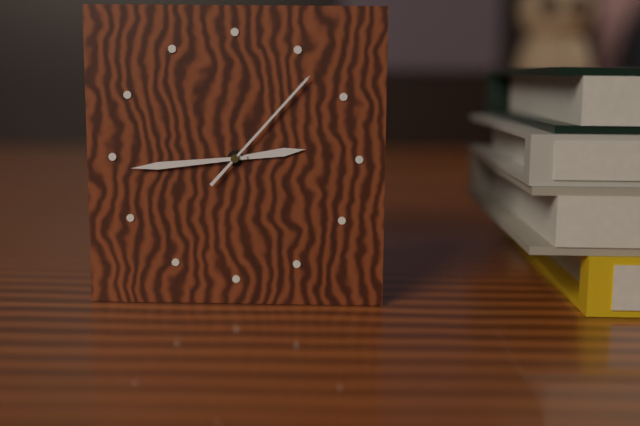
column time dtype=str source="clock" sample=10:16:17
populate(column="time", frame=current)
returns 2:44:07
